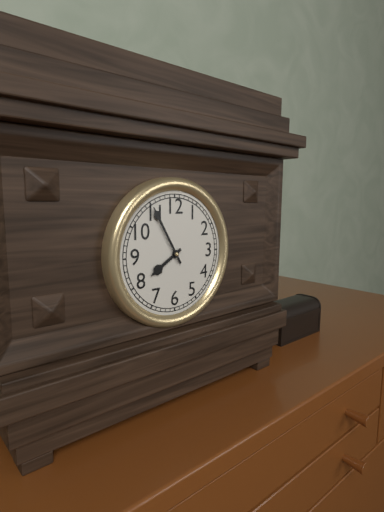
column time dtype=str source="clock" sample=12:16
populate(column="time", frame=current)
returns 7:55
